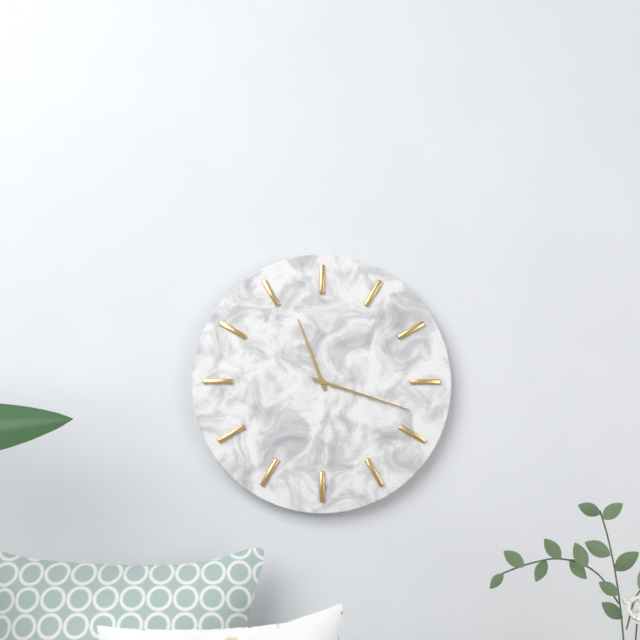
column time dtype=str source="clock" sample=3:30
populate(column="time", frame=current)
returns 11:18
